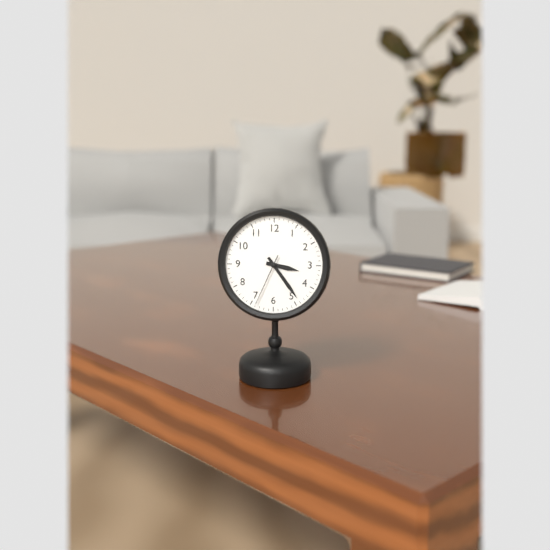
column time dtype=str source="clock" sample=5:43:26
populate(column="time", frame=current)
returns 3:24:34
